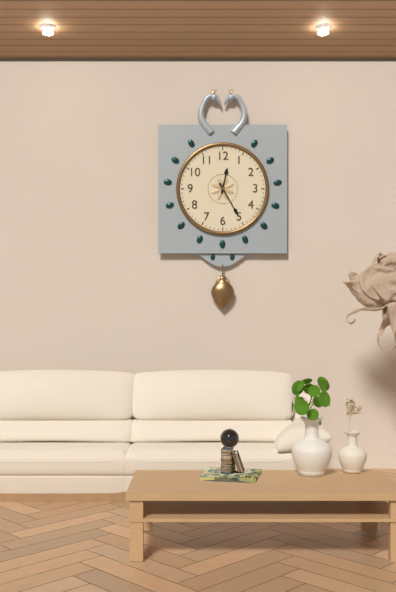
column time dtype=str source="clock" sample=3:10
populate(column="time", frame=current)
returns 12:25
